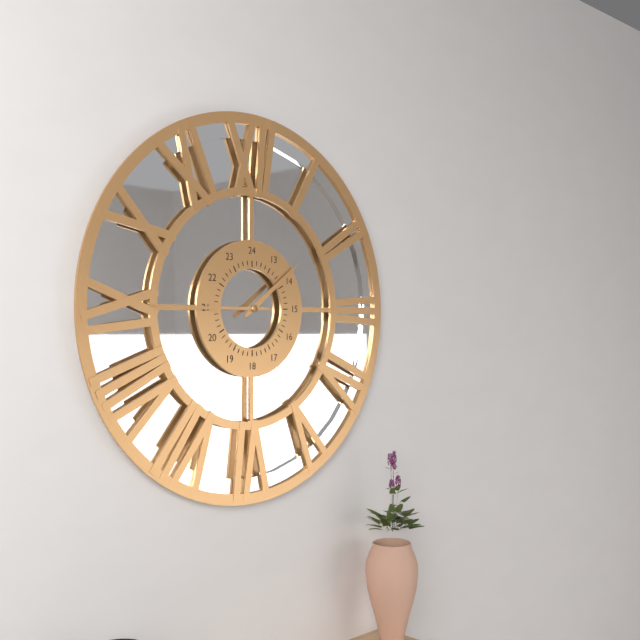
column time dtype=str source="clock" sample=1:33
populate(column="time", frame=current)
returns 1:45
